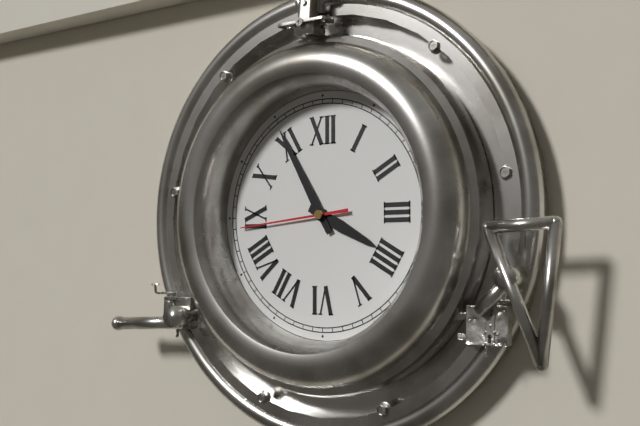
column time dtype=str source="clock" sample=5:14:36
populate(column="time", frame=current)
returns 3:55:44
